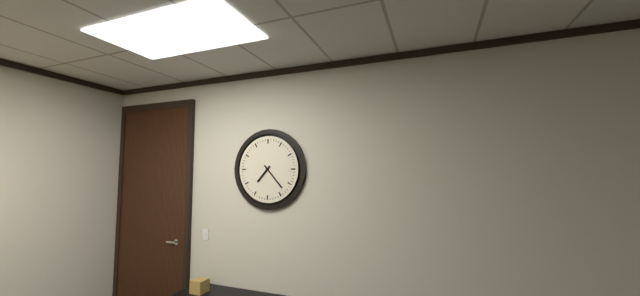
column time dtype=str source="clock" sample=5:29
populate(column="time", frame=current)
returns 7:23
